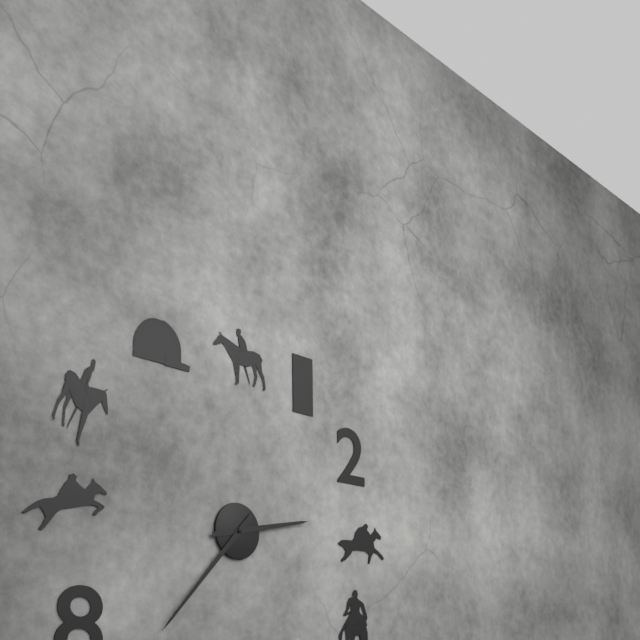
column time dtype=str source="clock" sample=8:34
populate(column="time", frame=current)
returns 2:37
